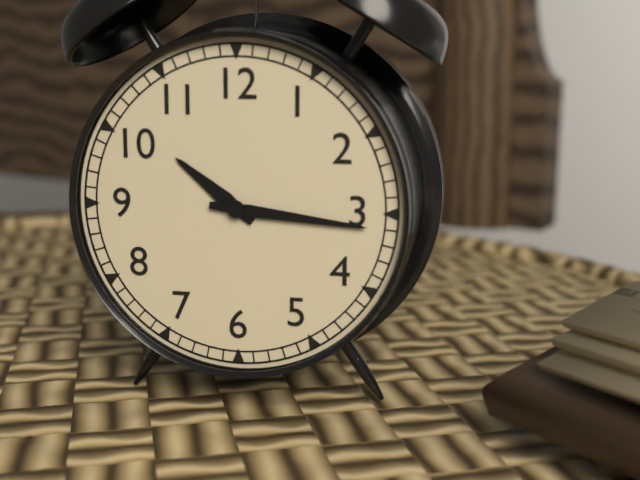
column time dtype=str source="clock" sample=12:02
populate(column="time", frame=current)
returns 10:16
